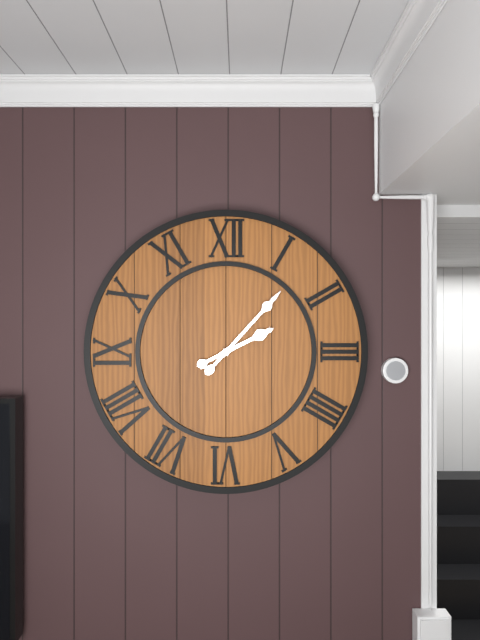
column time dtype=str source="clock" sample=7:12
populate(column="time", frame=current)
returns 2:07
